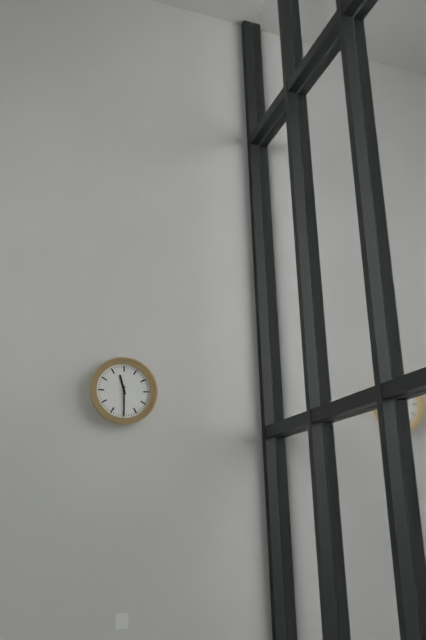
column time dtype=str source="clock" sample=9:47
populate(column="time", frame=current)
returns 11:30
